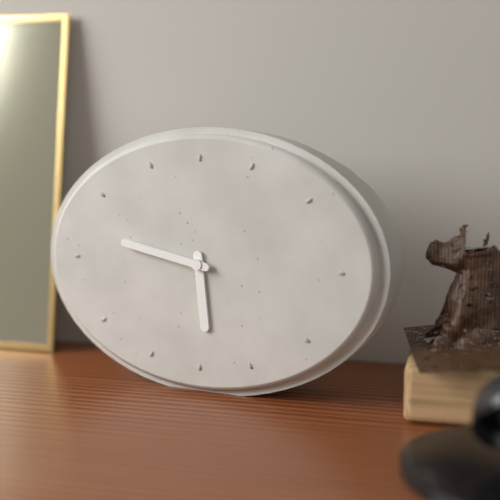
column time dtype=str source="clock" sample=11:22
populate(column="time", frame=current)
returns 5:47
